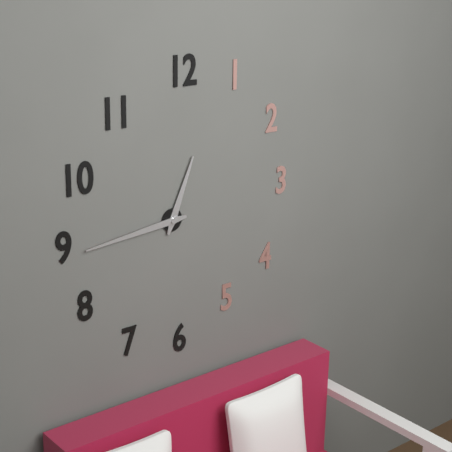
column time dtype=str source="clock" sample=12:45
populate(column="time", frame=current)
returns 12:44
